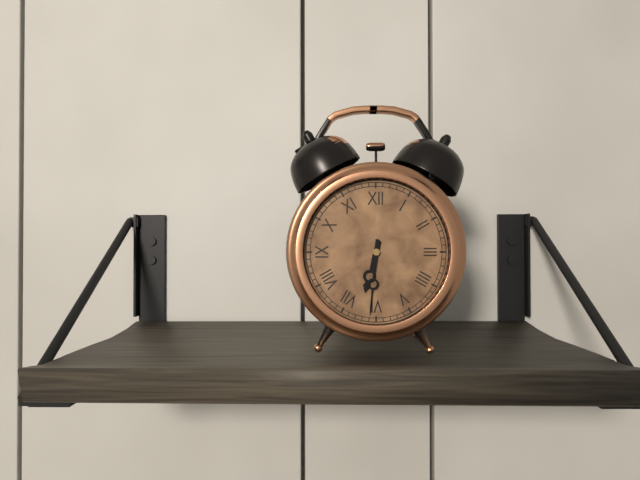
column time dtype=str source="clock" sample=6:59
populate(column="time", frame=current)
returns 6:31
